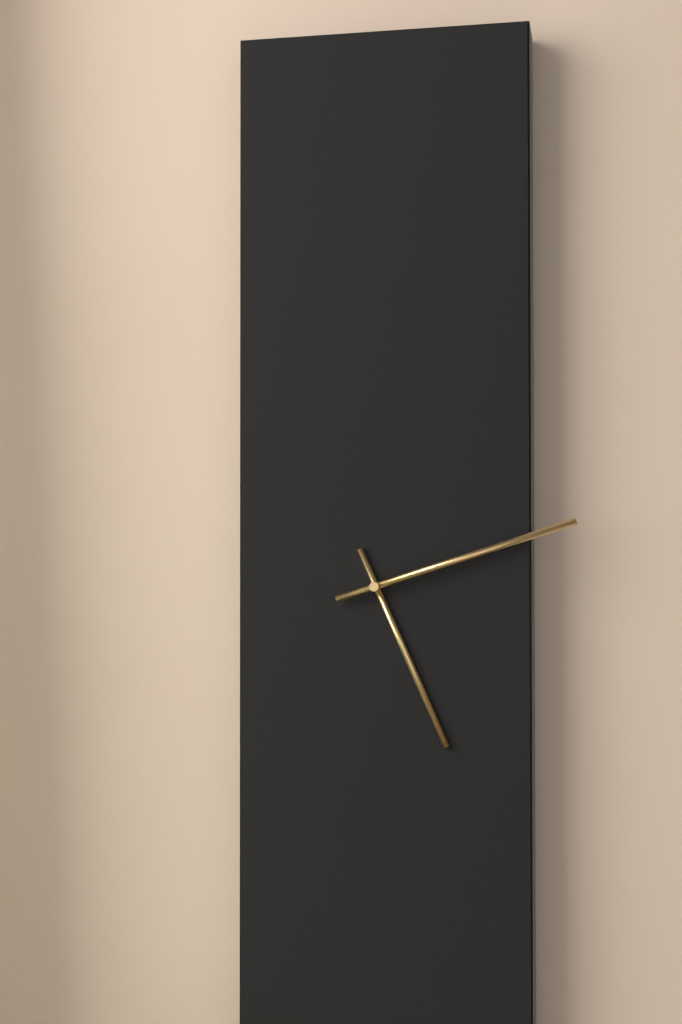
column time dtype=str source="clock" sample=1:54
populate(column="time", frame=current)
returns 5:12
